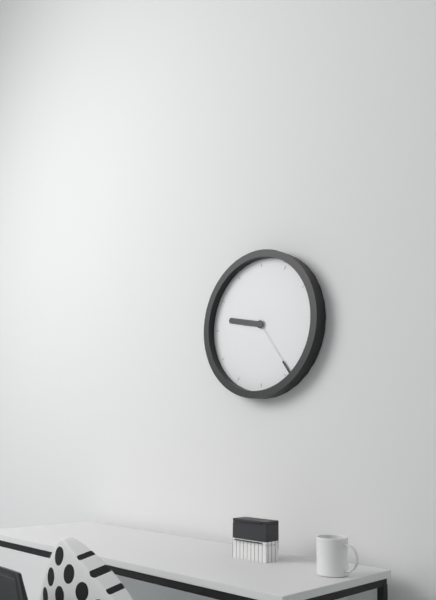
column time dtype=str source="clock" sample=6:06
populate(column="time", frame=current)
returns 9:24
